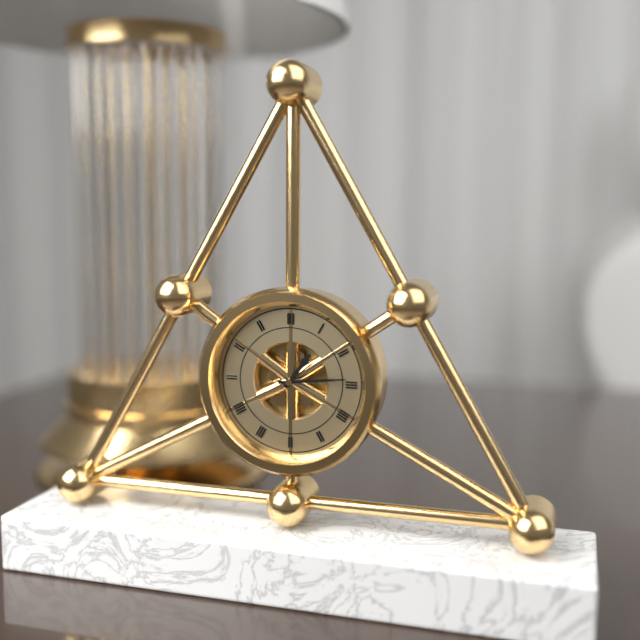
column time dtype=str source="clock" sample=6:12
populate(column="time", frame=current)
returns 1:14
